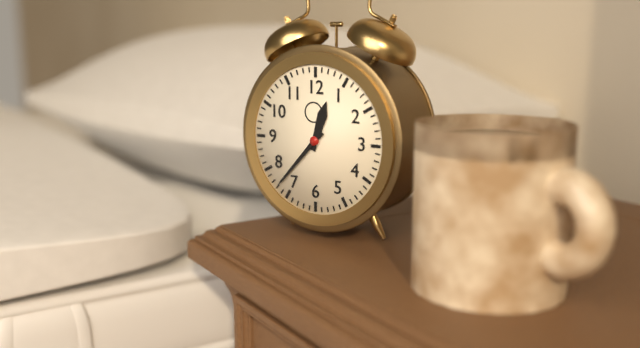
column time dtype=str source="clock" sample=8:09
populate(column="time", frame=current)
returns 12:37
